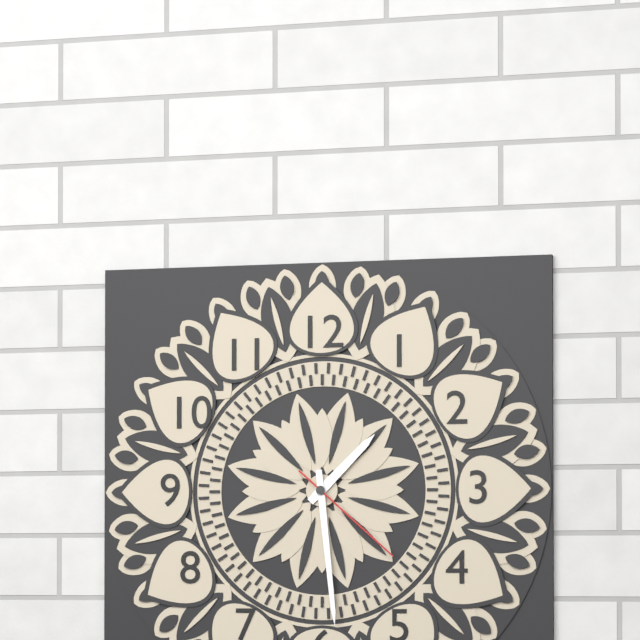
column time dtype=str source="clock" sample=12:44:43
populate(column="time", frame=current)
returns 1:29:22
